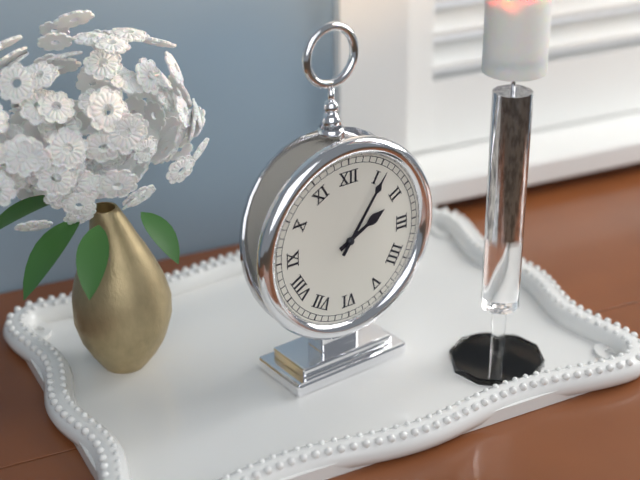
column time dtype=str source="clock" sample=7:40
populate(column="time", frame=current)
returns 2:06
